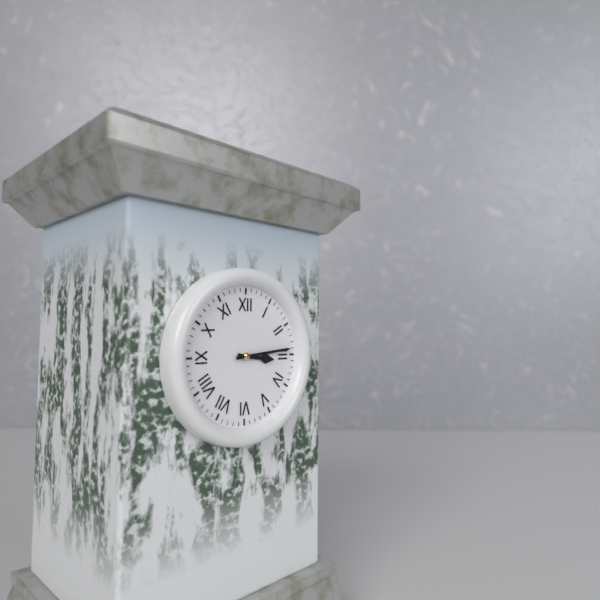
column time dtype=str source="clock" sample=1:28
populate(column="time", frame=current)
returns 3:14
